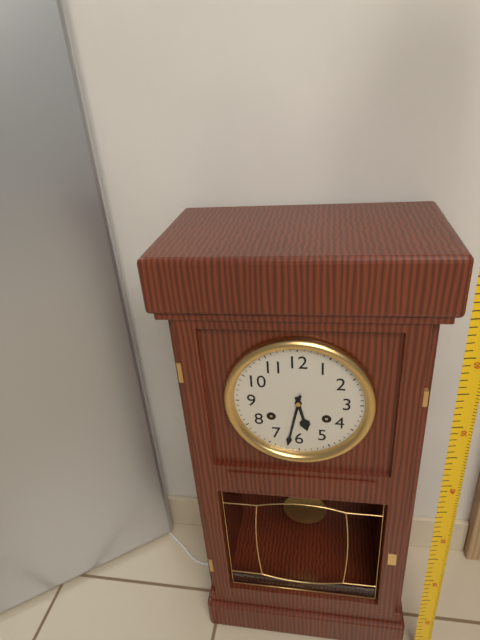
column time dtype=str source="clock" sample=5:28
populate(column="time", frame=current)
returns 5:32
